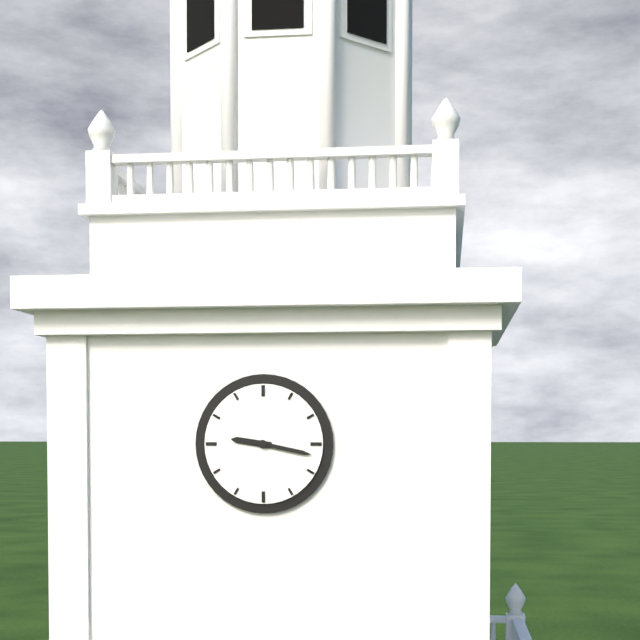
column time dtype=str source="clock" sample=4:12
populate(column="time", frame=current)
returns 9:17
